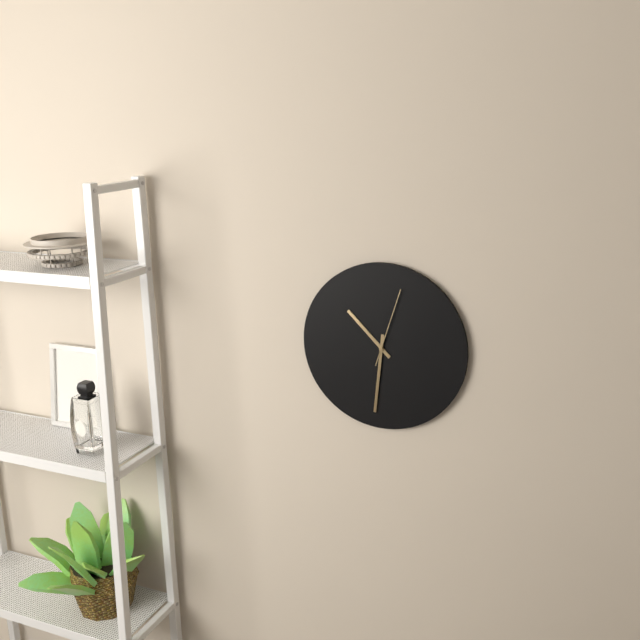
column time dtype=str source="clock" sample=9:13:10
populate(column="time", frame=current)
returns 10:31:03
